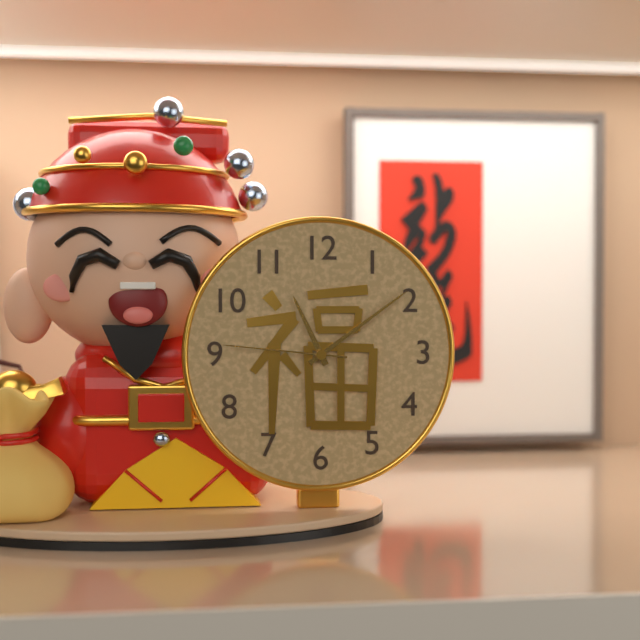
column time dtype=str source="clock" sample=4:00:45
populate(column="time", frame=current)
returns 11:09:46
